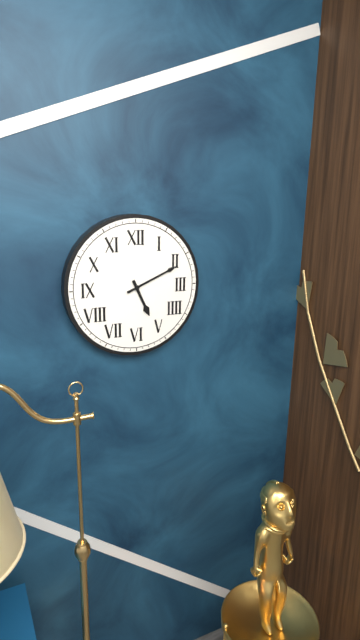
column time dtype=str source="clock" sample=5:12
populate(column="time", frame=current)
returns 5:11
